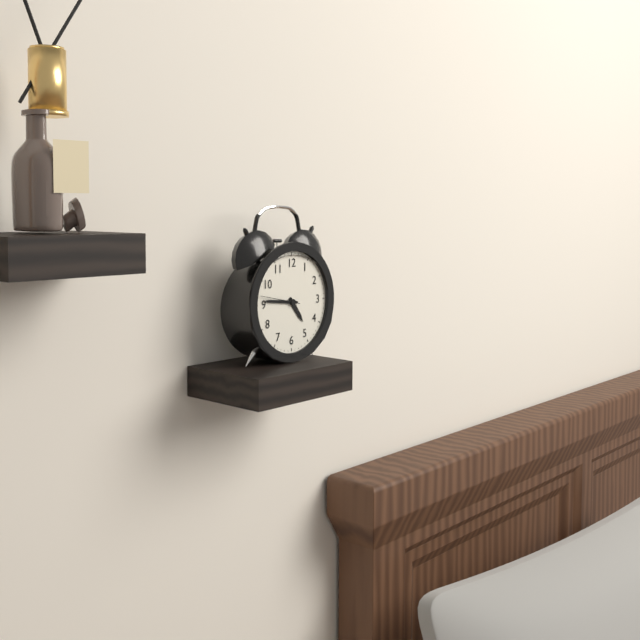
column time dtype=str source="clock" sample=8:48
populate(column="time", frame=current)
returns 4:46
